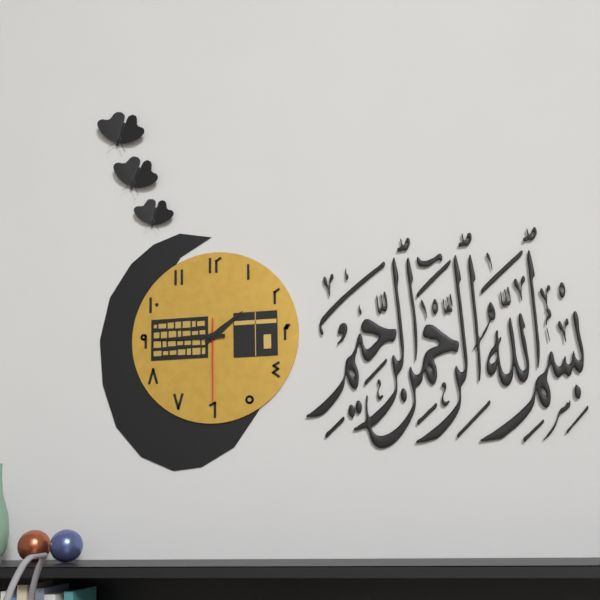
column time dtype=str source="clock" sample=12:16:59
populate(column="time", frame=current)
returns 1:45:30
